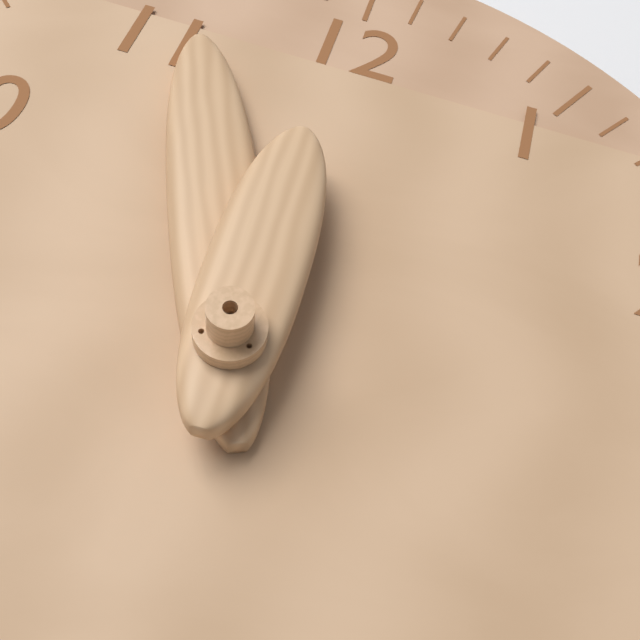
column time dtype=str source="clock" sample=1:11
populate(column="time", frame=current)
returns 11:56
